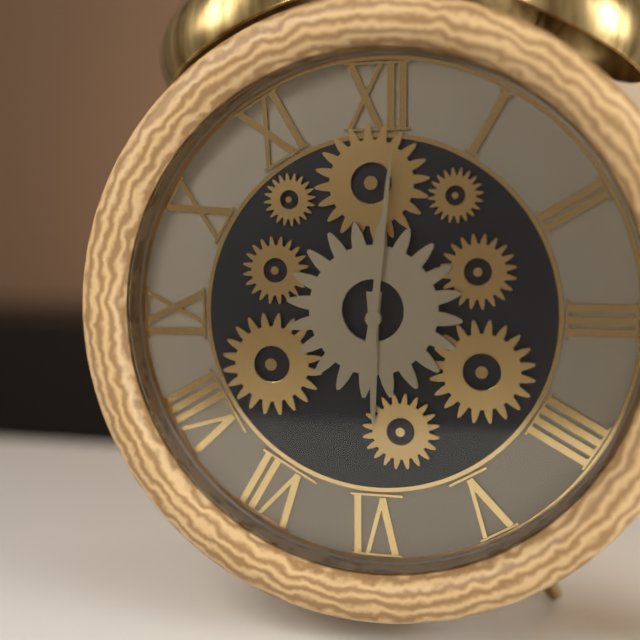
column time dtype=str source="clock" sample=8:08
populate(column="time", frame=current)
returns 6:01
